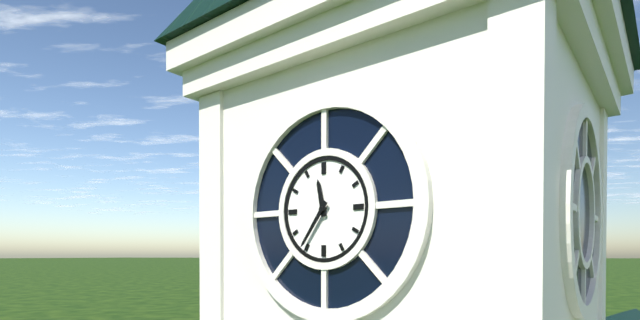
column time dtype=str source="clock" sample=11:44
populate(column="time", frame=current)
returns 11:36
